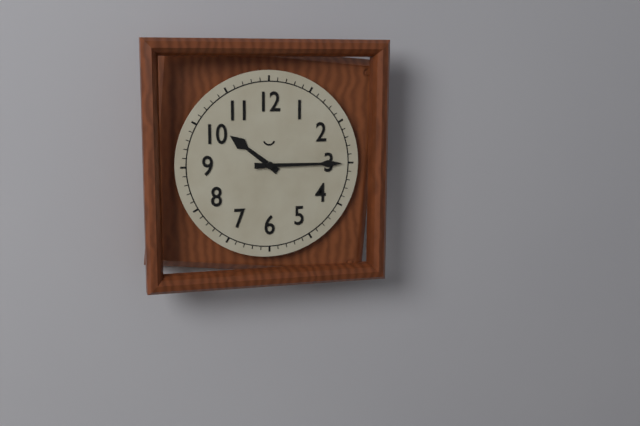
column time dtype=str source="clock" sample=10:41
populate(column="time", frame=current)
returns 10:15
